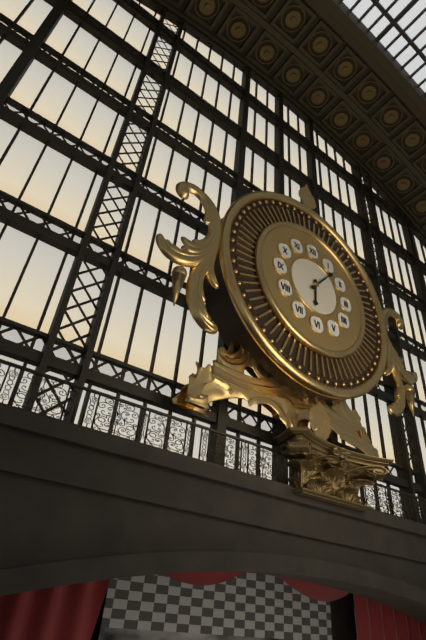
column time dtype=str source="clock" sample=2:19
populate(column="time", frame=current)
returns 6:07
